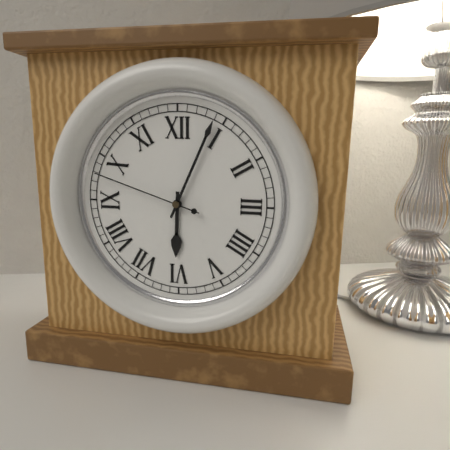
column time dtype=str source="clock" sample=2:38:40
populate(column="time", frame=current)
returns 6:04:48
